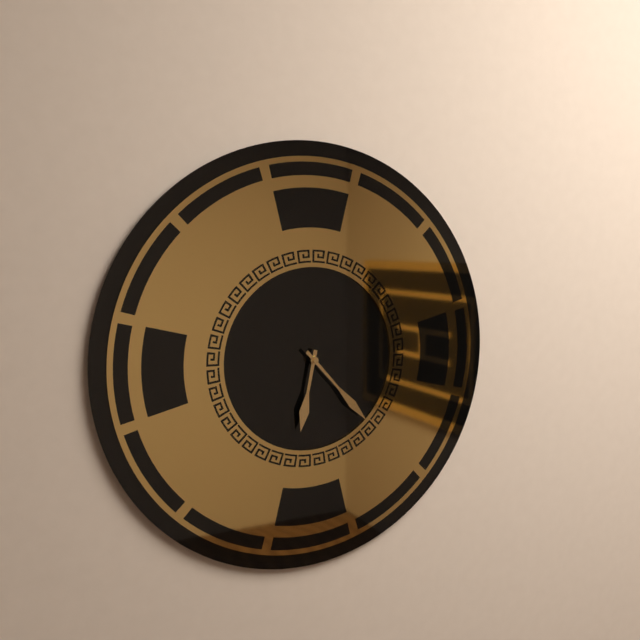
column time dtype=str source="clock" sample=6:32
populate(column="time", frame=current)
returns 6:23
